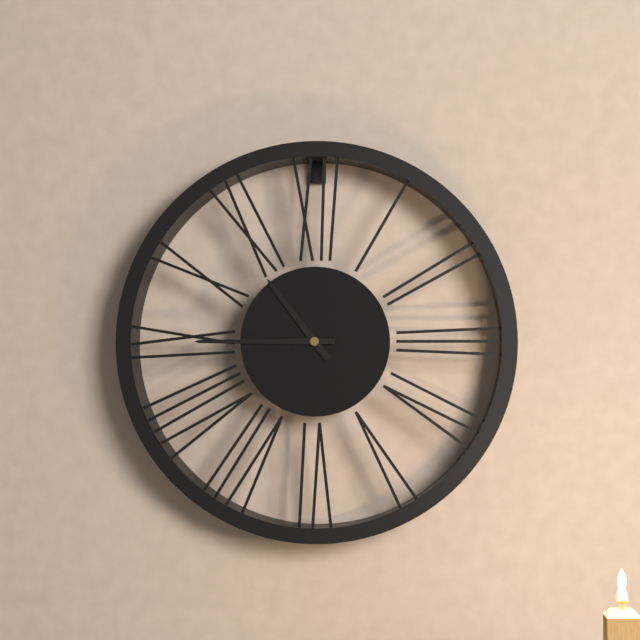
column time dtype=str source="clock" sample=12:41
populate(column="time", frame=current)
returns 10:45
